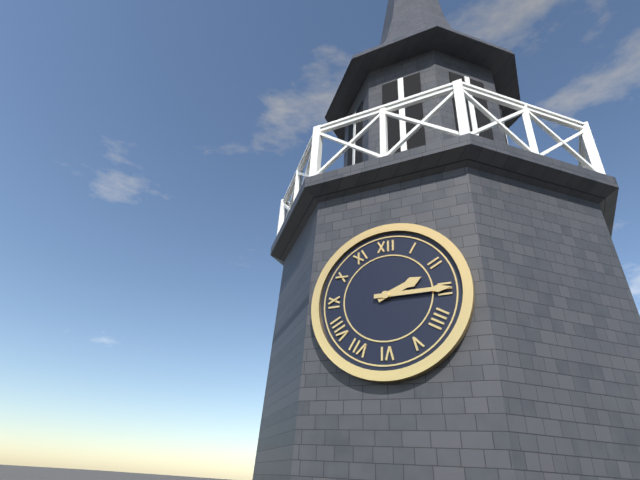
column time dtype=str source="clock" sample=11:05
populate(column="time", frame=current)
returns 2:15
